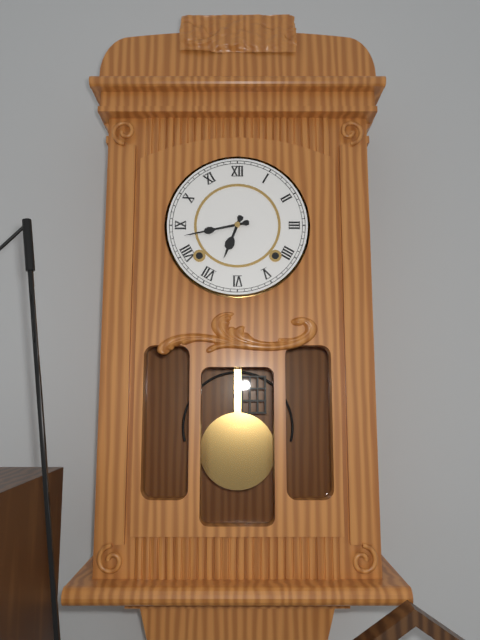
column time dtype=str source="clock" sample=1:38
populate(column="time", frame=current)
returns 6:43
